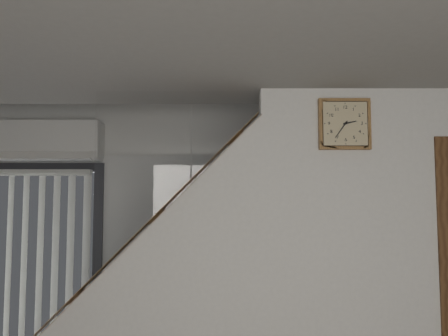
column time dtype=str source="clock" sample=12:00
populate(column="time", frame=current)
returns 2:36
